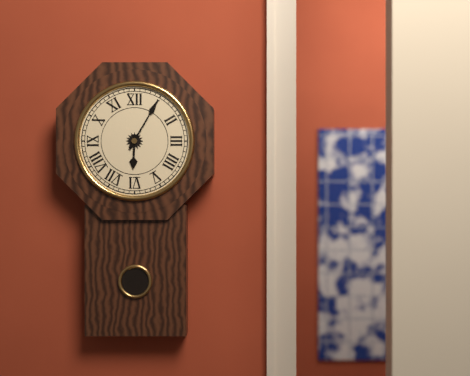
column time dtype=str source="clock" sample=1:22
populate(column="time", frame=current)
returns 6:05
